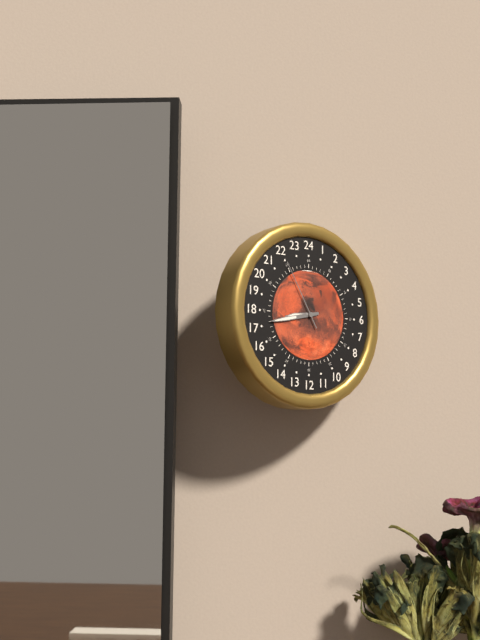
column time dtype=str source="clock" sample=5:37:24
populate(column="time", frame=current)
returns 8:43:55
